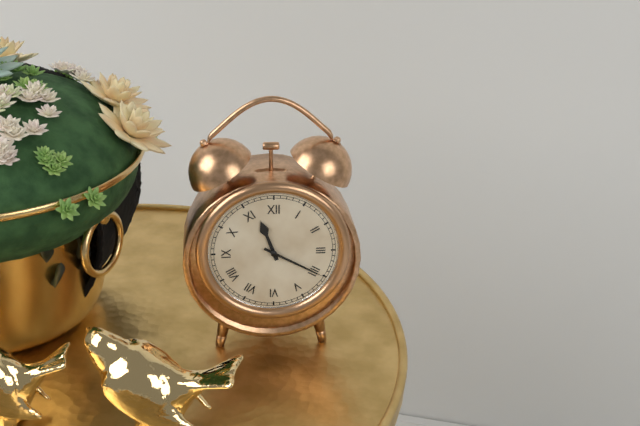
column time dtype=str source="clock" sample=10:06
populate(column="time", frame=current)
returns 11:20
